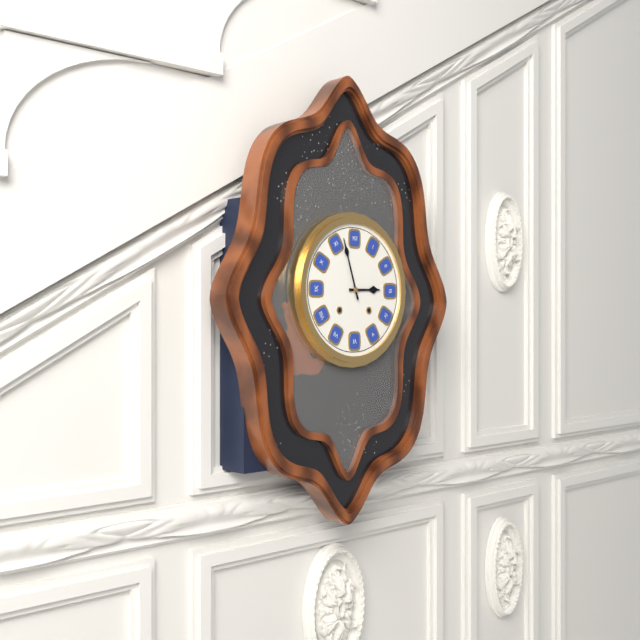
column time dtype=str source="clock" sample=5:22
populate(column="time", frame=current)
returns 2:57
